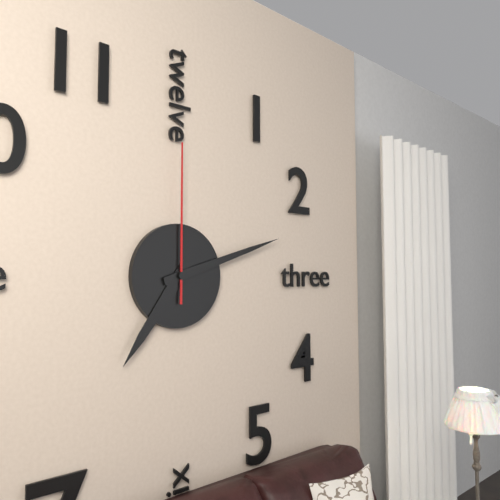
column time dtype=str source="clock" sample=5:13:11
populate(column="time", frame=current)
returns 7:12:00
